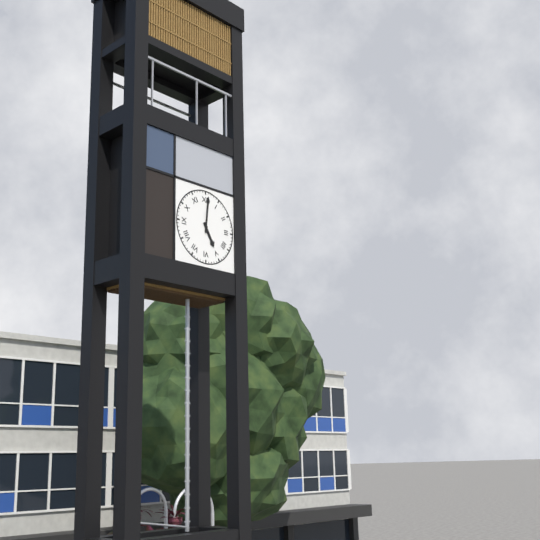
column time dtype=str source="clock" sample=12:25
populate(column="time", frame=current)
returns 5:01
